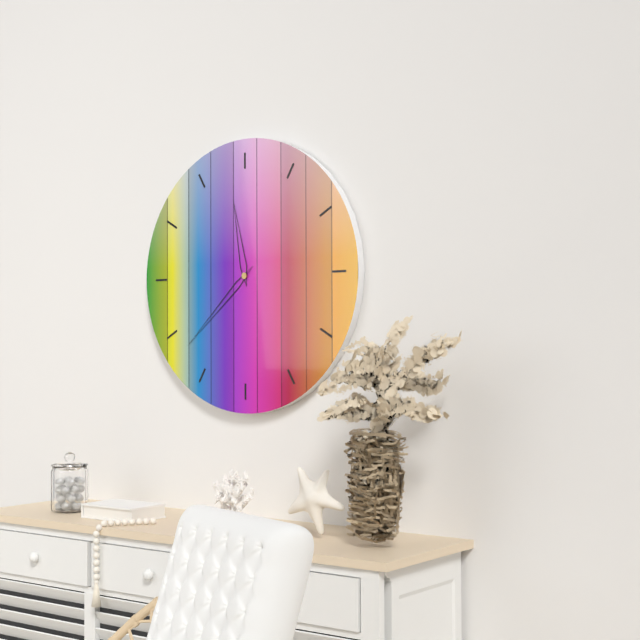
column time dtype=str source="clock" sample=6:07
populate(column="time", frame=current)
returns 11:38
